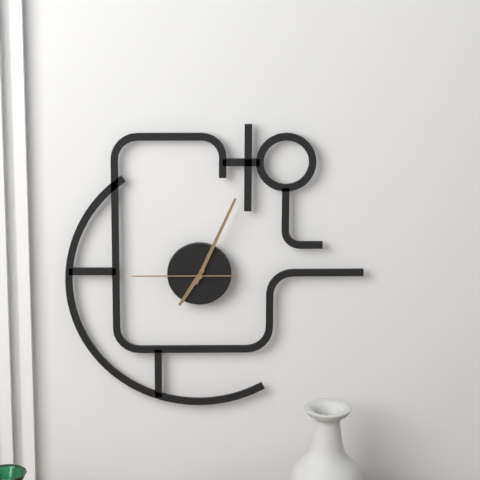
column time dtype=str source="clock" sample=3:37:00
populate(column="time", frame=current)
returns 7:04:45
